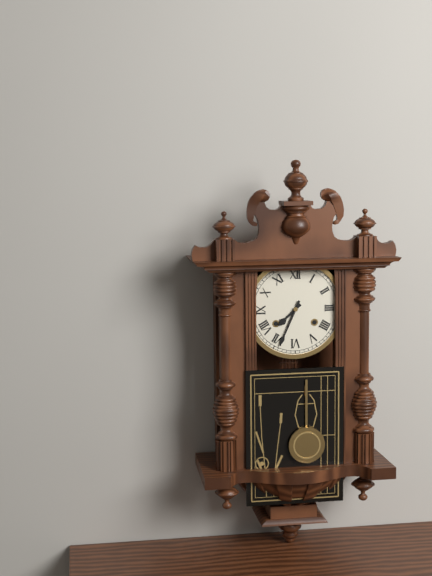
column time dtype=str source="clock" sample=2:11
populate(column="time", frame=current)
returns 7:34
